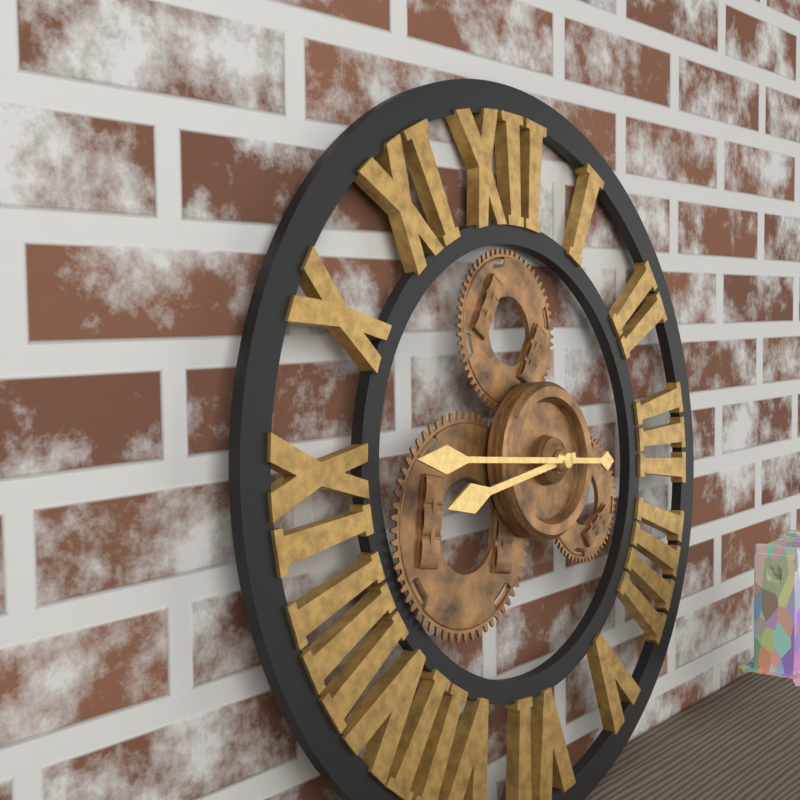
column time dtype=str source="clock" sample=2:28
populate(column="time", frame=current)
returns 8:46
